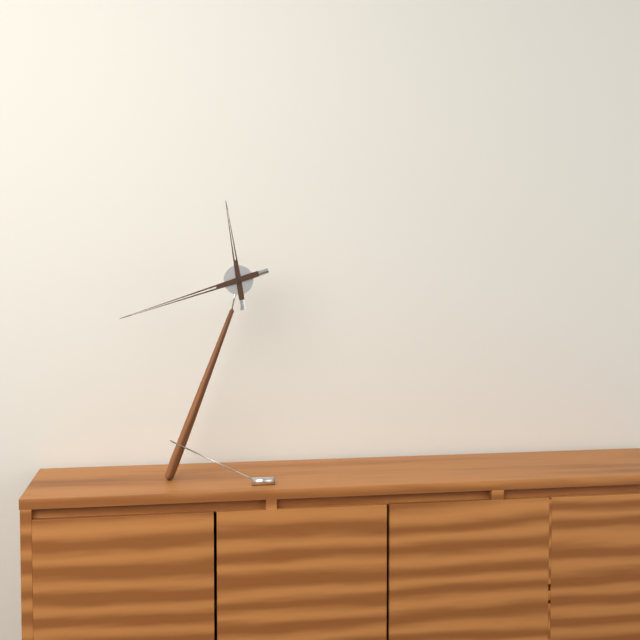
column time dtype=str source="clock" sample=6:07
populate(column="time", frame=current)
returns 11:42
